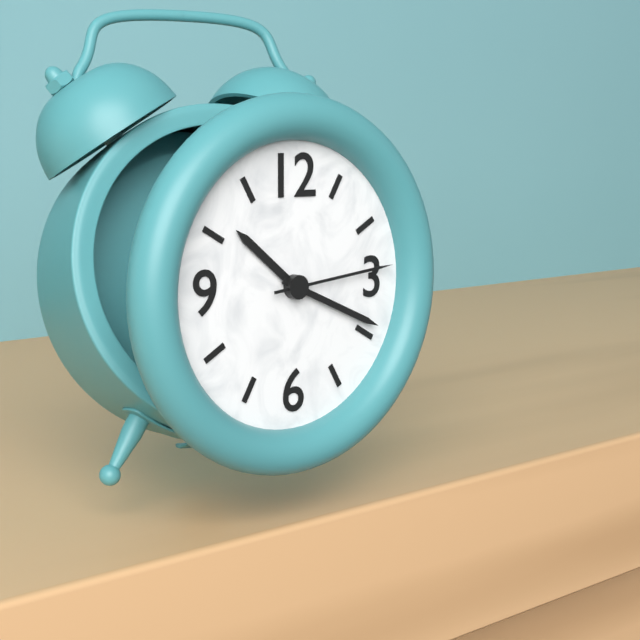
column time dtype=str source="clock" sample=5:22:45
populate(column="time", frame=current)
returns 10:19:14
